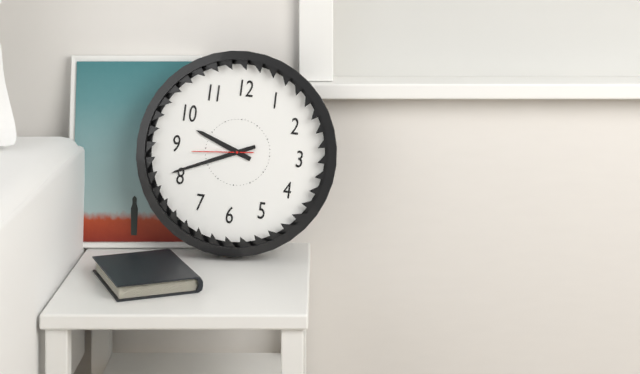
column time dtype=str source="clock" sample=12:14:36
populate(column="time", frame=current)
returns 9:41:44
